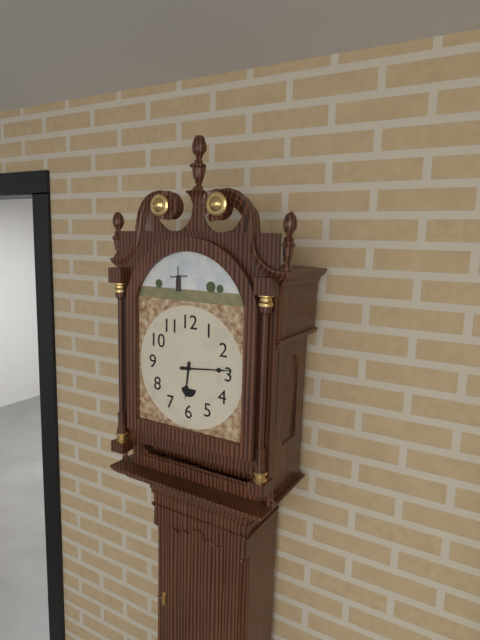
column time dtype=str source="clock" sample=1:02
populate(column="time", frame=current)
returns 6:14
